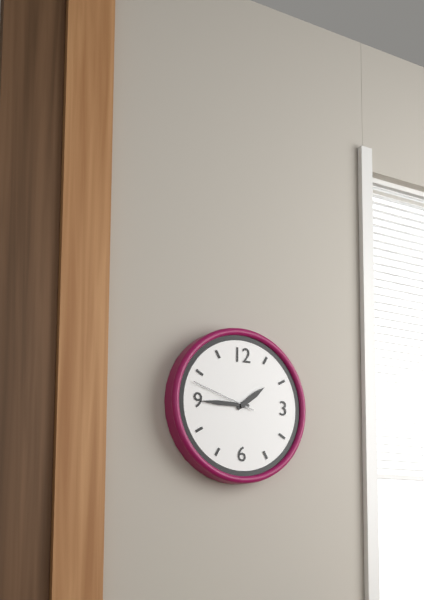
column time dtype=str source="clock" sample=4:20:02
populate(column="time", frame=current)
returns 1:45:48
